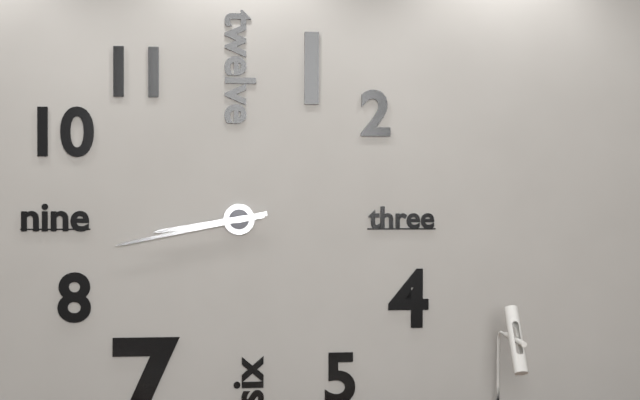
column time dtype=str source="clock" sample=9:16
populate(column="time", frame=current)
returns 8:43
